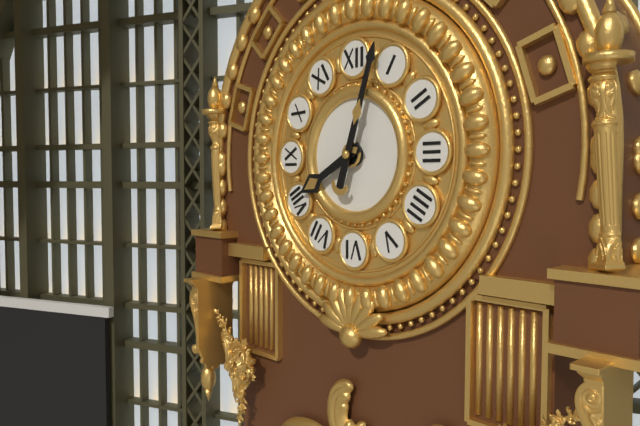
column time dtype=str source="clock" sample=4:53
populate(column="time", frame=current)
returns 8:03
